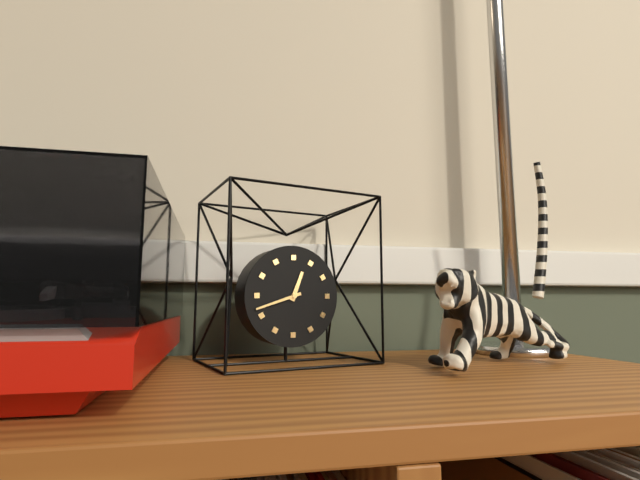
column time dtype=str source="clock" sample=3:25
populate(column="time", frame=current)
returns 12:42
